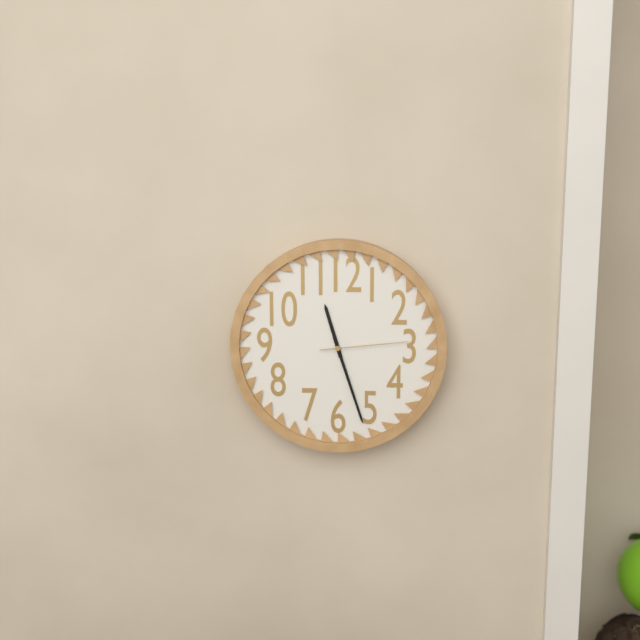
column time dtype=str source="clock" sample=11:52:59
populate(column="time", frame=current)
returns 11:27:14
